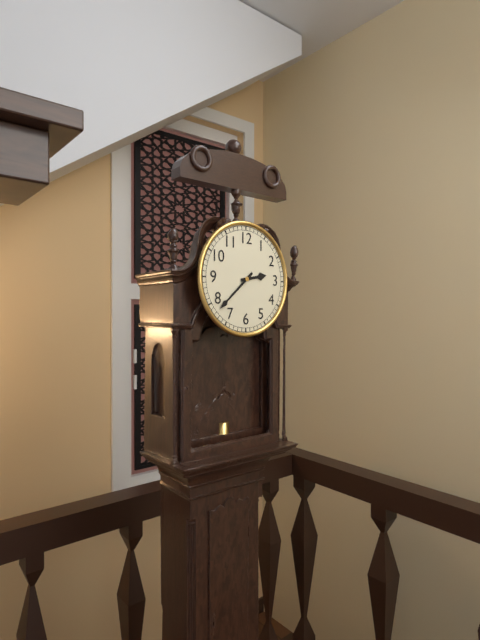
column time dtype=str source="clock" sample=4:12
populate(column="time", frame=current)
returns 2:38
